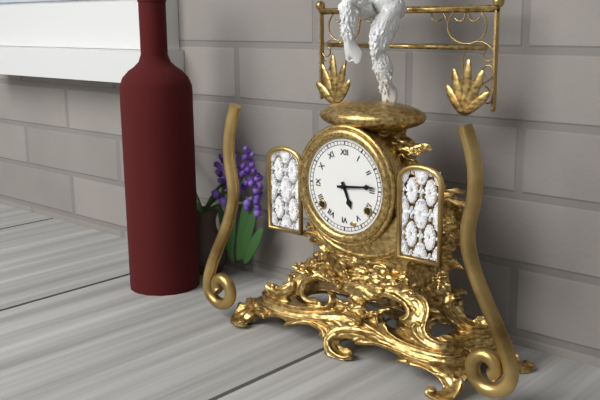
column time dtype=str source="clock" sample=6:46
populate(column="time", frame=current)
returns 5:14
